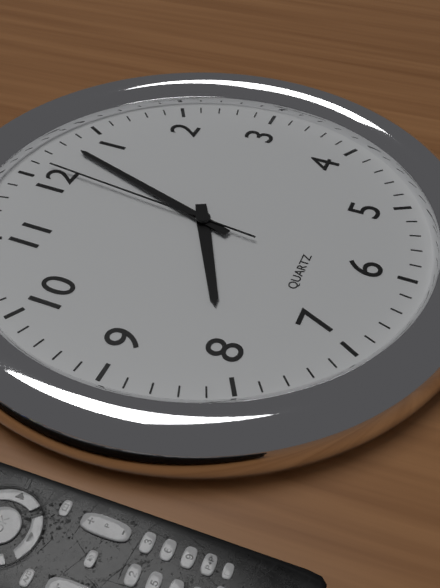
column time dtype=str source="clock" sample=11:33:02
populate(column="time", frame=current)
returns 8:03:01
